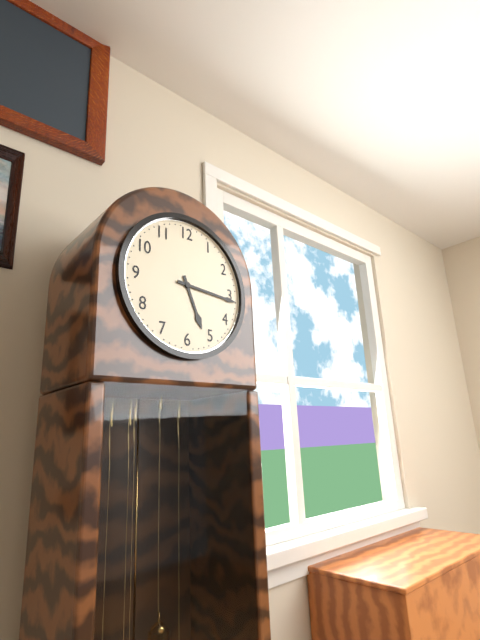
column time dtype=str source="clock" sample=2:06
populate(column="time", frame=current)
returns 5:16
